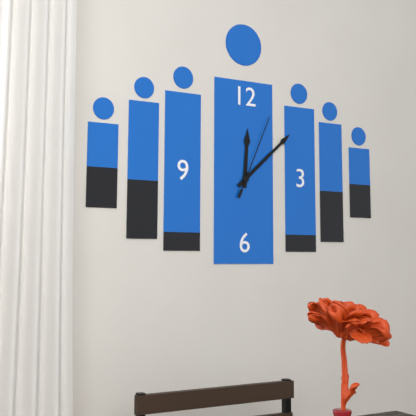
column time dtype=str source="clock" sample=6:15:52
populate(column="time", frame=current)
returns 12:08:04
